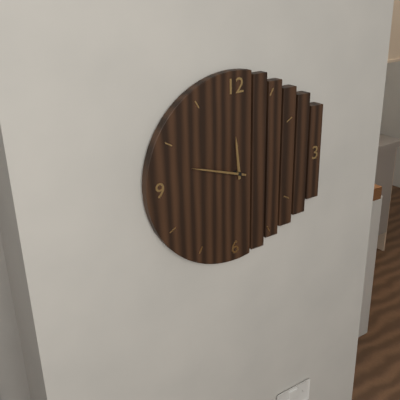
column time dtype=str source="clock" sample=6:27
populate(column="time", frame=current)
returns 11:48
